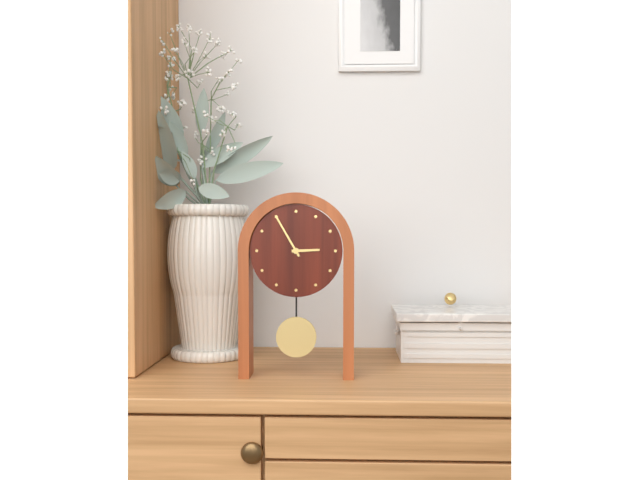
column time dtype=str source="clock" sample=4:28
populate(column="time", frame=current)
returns 2:55
